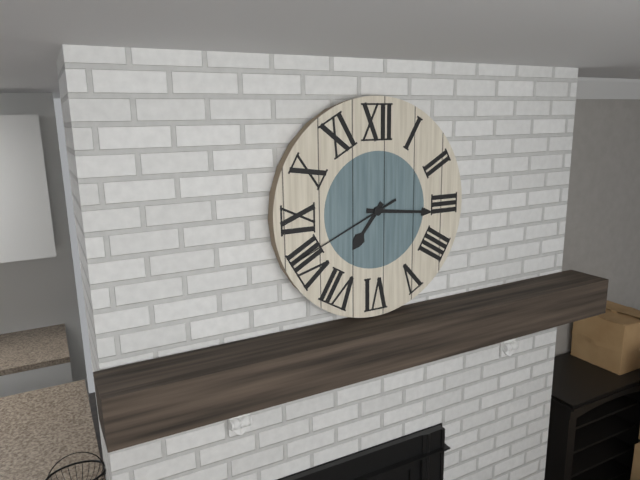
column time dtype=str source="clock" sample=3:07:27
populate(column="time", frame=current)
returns 7:16:41
